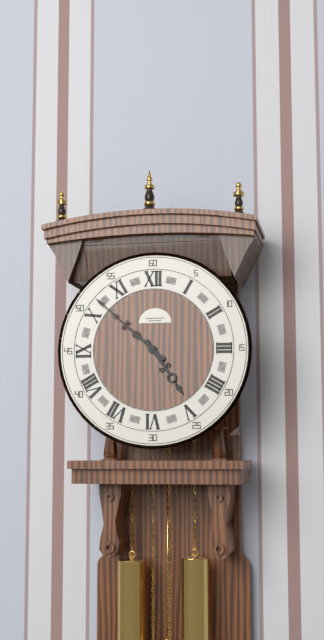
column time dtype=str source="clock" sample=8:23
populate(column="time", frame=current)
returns 4:52
